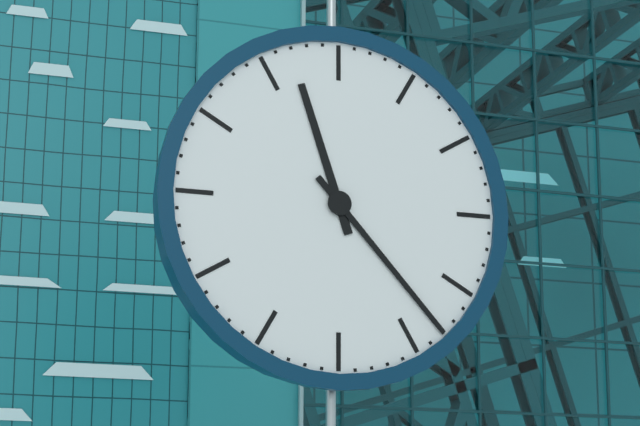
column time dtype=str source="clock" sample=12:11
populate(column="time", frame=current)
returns 11:23
